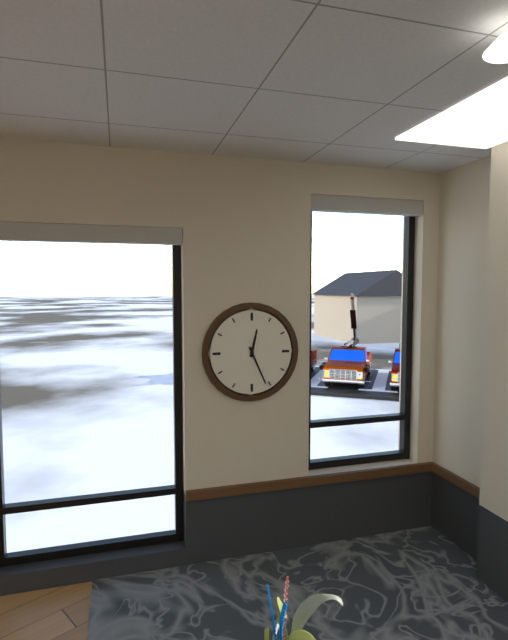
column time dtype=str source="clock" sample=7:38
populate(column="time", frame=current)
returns 12:26
